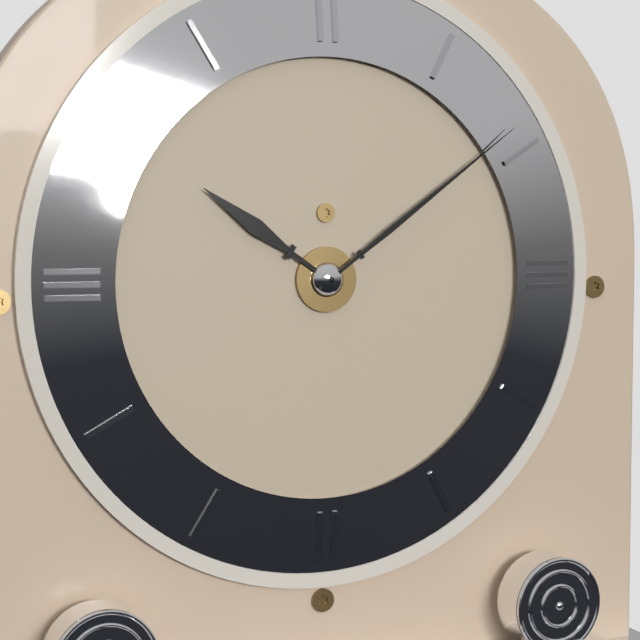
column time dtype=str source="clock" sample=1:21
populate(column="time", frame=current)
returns 10:09
